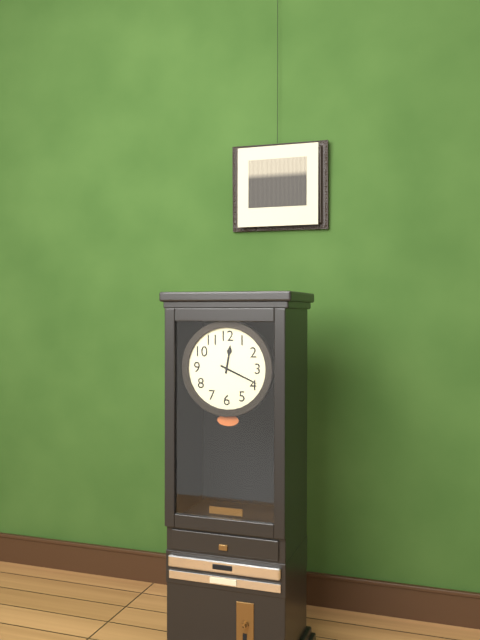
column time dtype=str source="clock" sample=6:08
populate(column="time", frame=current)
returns 12:19
